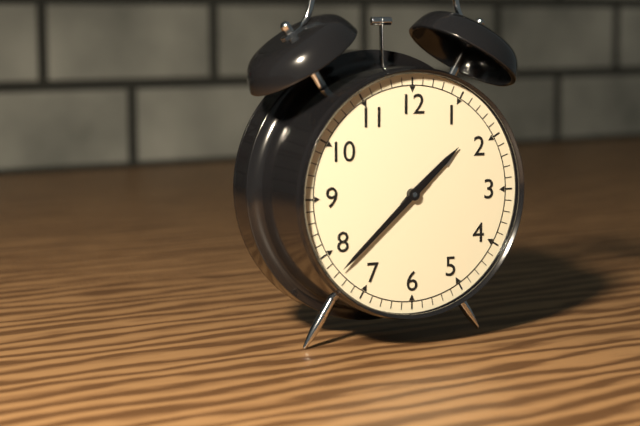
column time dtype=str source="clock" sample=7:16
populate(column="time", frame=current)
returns 1:38
